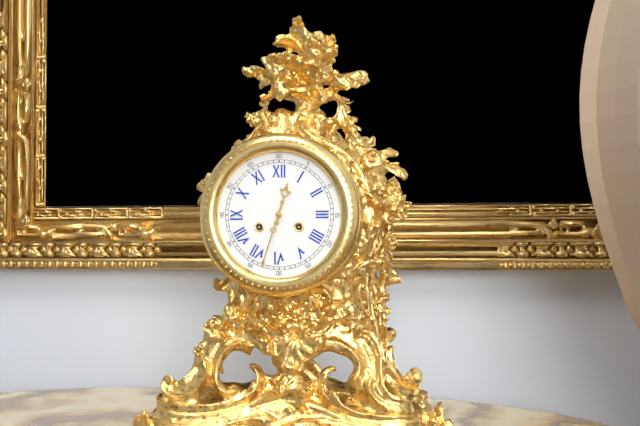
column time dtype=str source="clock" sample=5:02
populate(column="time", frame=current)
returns 12:33
